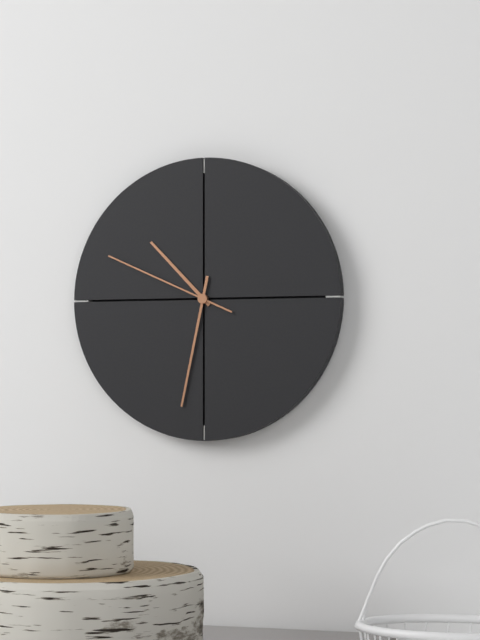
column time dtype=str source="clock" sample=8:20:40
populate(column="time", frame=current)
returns 10:32:49
